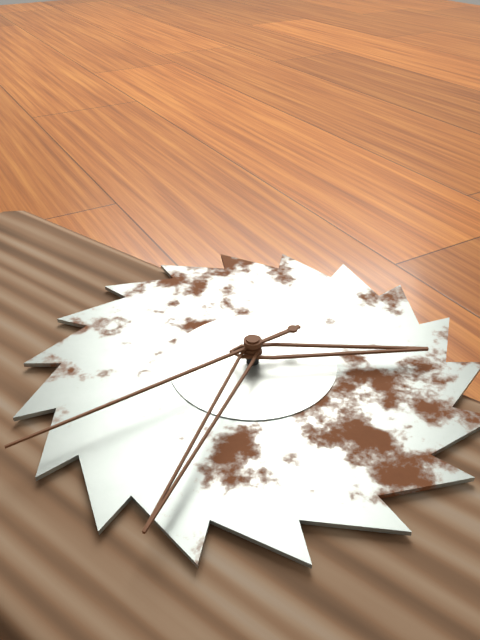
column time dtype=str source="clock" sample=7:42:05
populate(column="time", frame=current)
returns 4:42:48
